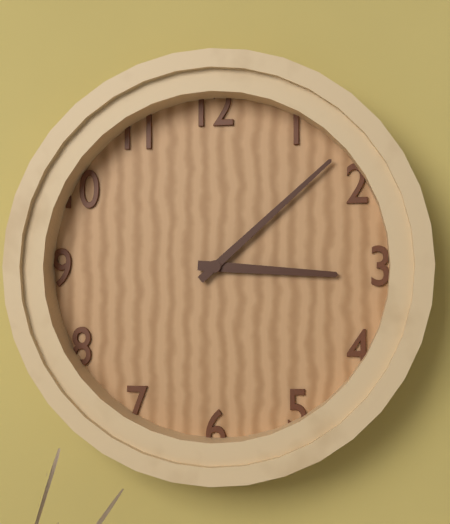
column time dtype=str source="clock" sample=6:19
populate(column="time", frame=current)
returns 3:08
